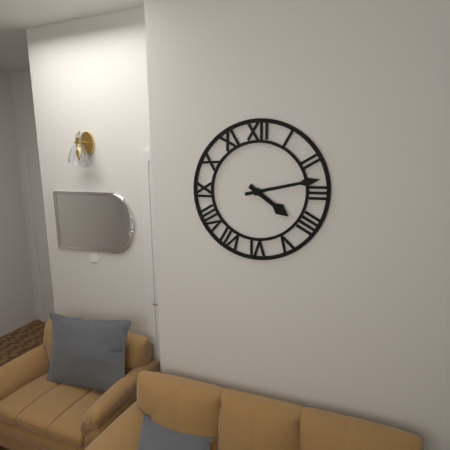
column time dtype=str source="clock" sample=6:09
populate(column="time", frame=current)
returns 4:13
